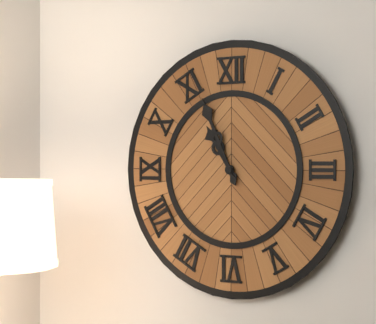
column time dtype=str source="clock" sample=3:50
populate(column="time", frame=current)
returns 10:56
